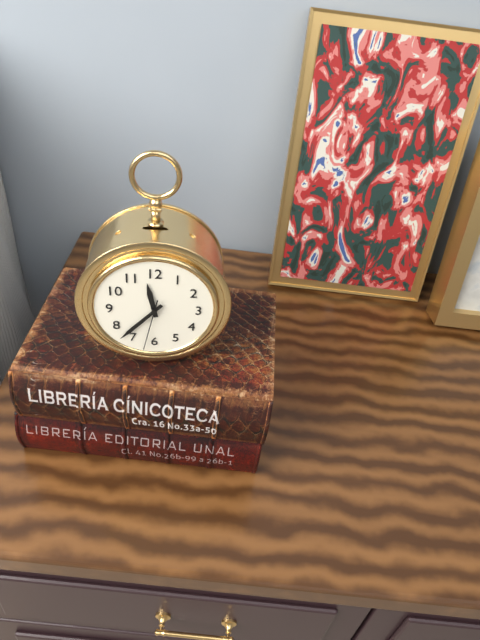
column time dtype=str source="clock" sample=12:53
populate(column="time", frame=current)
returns 11:37
